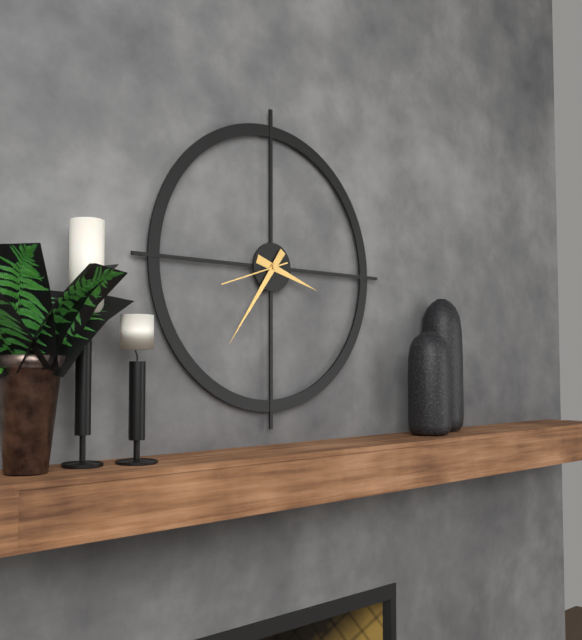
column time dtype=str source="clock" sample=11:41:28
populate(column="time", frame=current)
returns 3:36:42
